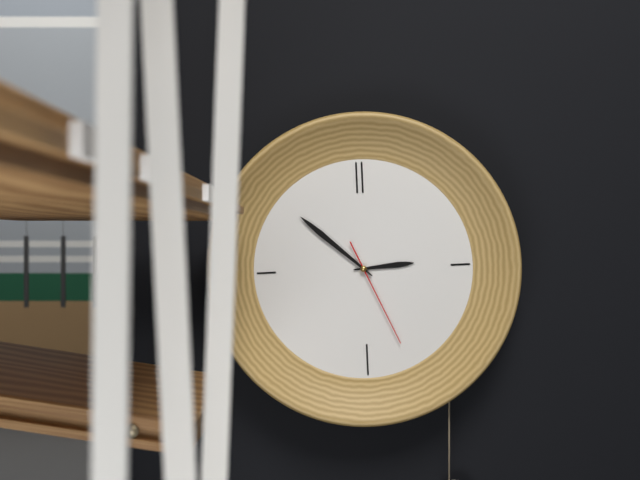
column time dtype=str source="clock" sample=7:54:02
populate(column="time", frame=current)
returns 2:52:26
